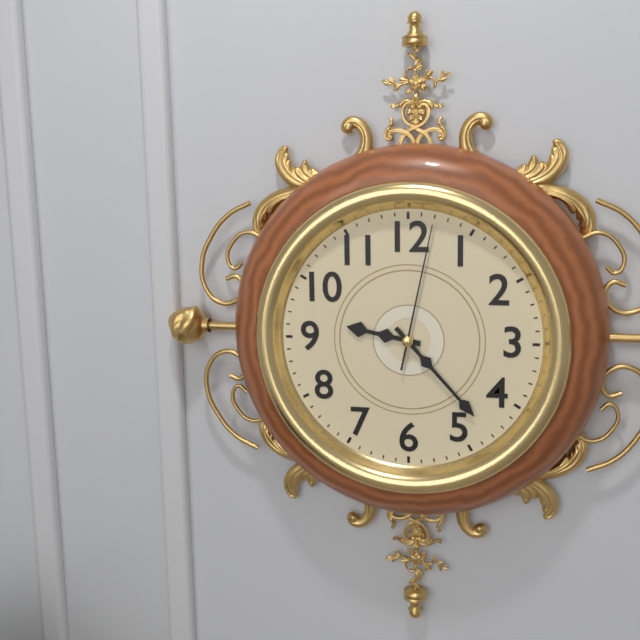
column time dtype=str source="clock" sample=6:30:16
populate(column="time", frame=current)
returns 9:23:02
